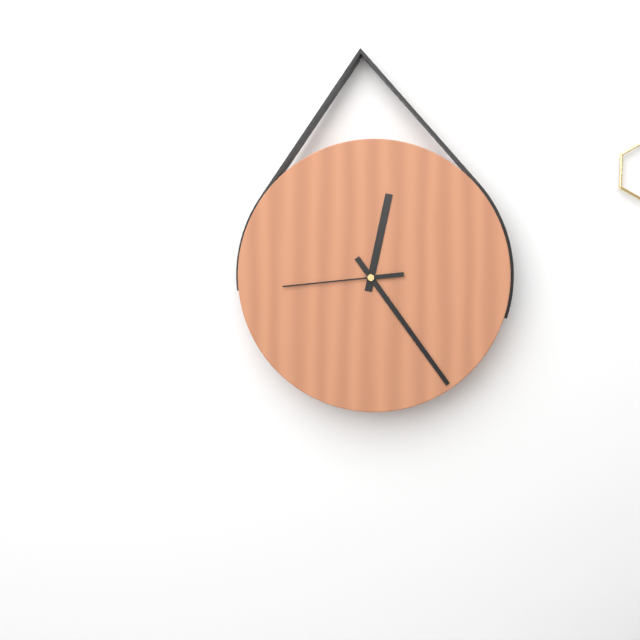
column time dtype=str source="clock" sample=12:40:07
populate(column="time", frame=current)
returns 12:24:44
